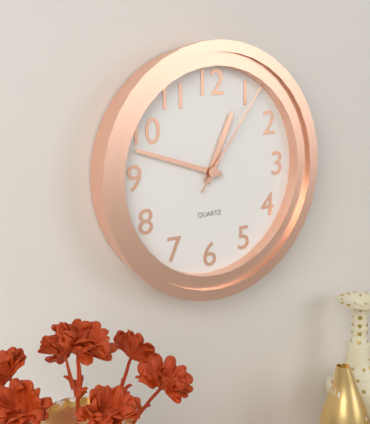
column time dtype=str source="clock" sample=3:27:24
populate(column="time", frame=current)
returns 12:48:06
